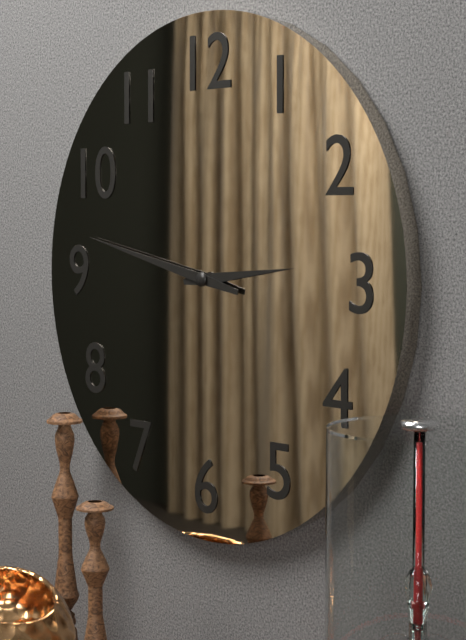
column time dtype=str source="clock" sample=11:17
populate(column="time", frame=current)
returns 2:47
